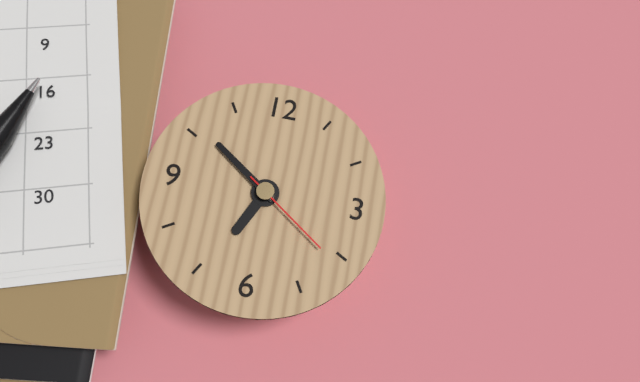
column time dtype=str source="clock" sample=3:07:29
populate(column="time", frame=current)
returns 6:51:21
